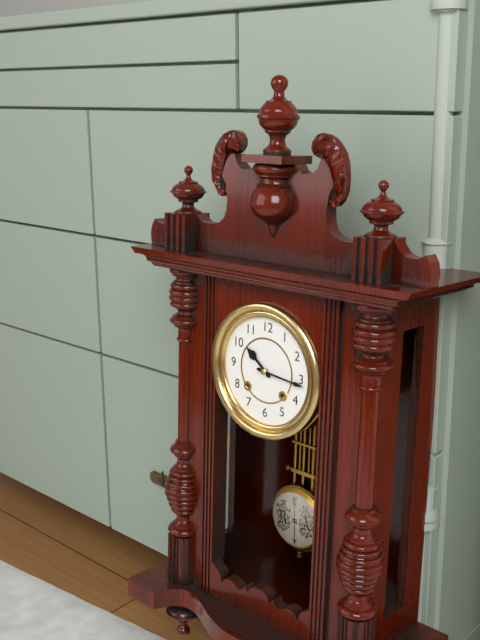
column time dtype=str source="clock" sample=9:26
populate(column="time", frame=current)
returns 10:16
